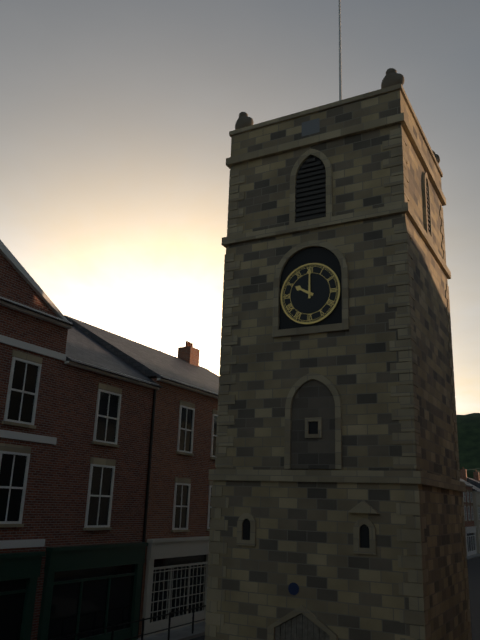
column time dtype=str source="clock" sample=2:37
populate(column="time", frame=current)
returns 10:00
